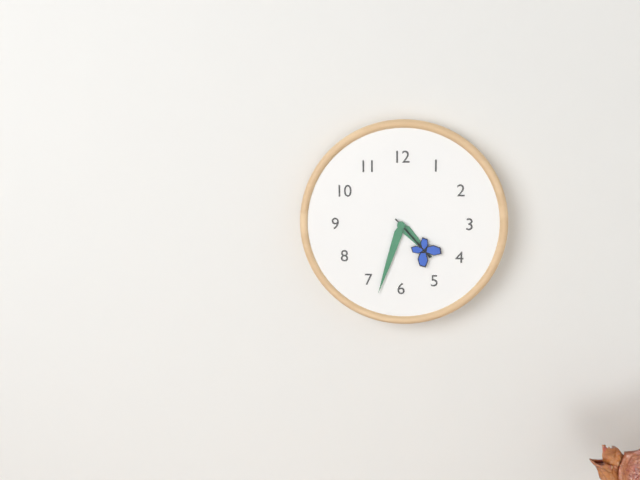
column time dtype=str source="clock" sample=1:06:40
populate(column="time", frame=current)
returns 4:33:23
